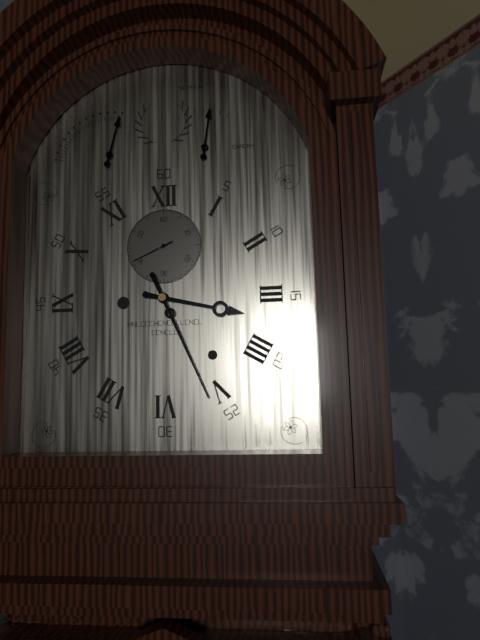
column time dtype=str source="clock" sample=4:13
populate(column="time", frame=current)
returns 3:26
